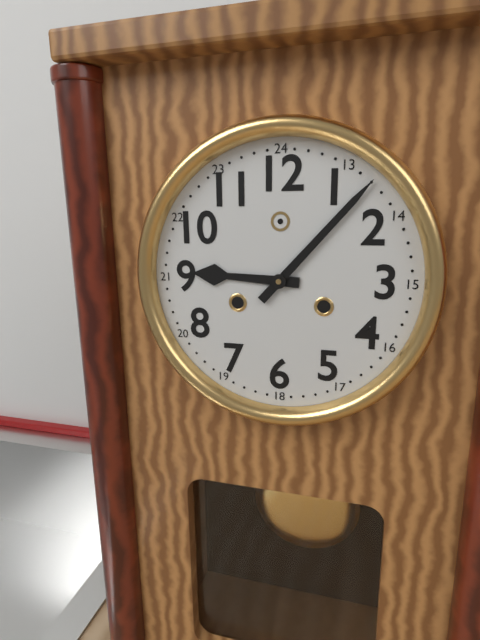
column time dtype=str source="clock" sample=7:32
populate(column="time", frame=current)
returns 9:07
